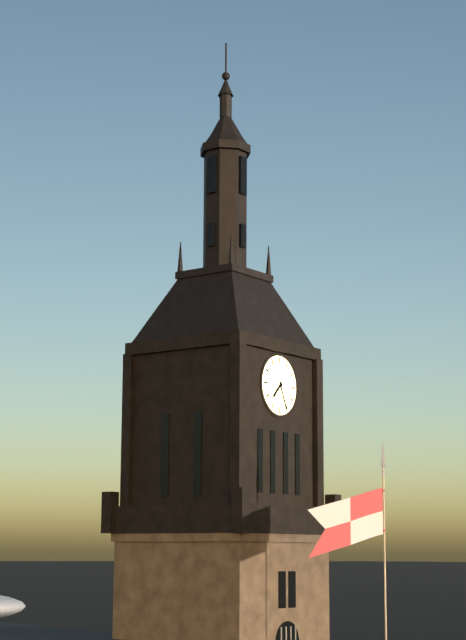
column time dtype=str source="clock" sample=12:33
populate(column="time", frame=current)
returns 7:26
